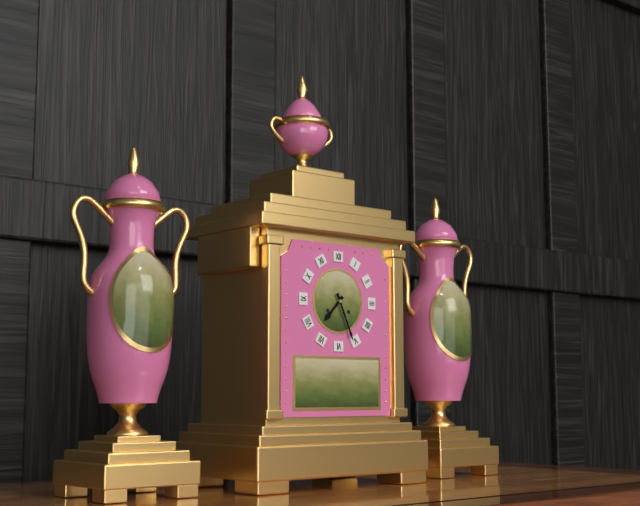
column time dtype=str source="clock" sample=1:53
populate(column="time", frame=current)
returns 7:26
